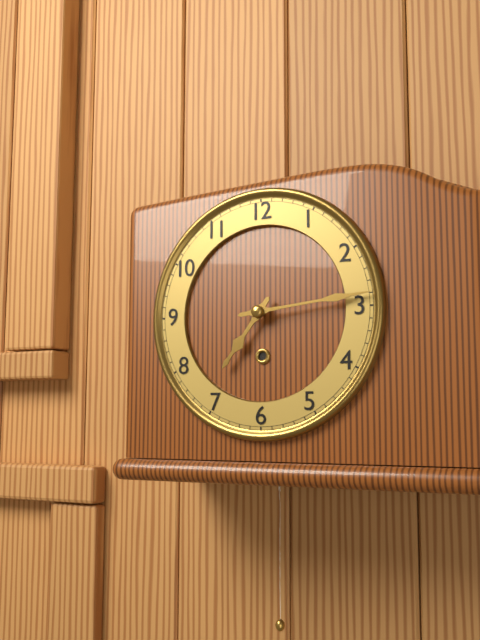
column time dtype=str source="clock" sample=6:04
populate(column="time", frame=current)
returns 7:14
